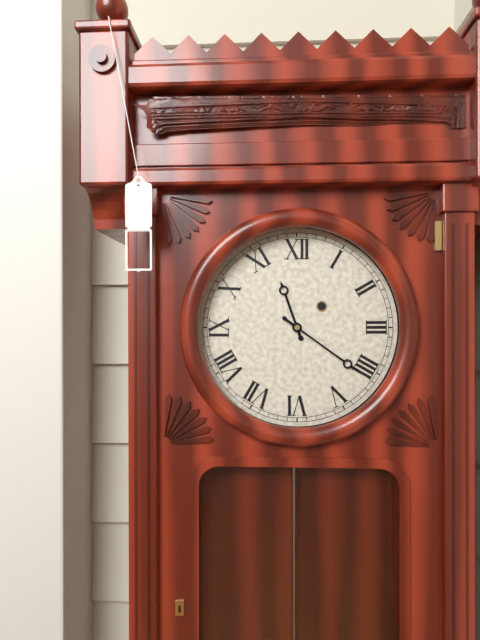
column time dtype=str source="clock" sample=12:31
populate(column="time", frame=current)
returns 11:21
